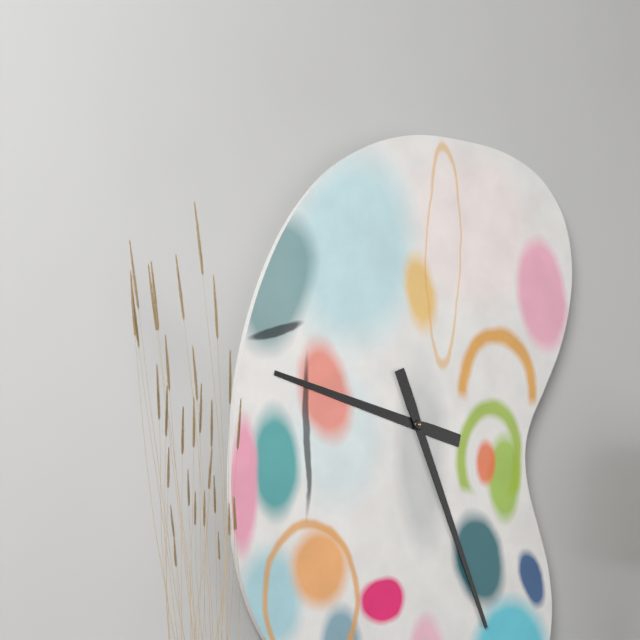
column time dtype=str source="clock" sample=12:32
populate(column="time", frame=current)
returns 9:26
